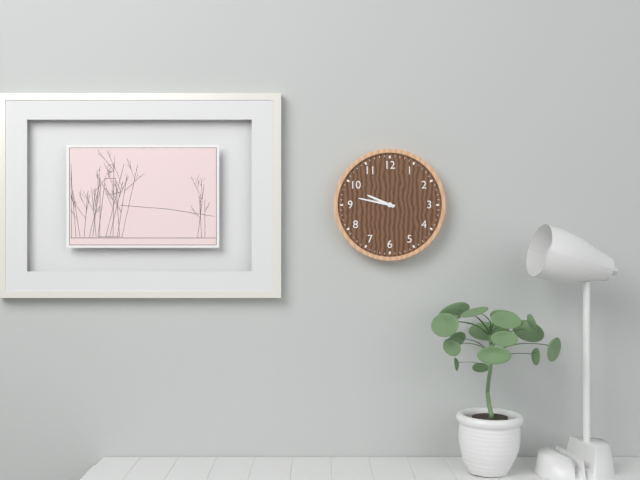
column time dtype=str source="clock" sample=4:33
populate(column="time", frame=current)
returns 9:47
